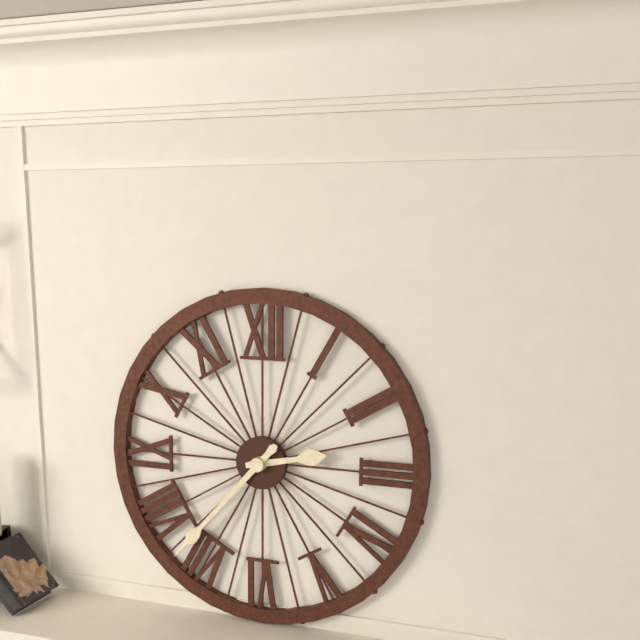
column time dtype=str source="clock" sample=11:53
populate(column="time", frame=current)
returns 2:37
